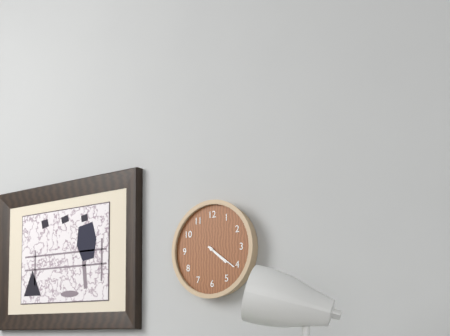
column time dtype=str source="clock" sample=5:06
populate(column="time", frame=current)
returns 4:21
